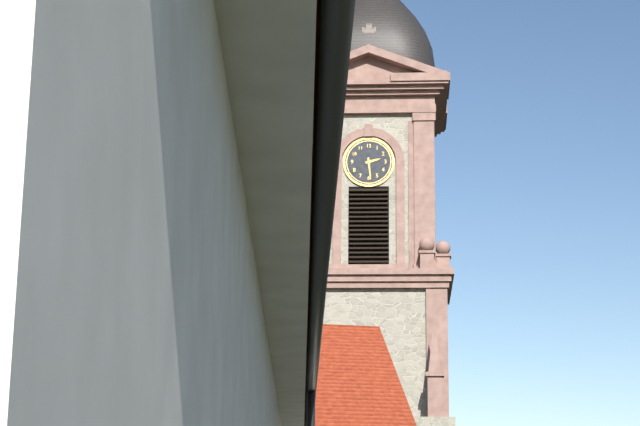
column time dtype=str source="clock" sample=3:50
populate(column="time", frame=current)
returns 2:29
